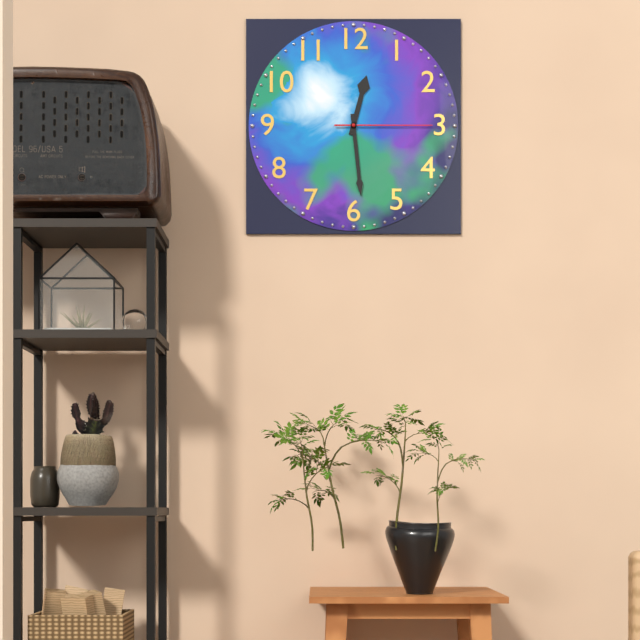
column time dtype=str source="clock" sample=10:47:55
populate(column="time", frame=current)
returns 12:29:15
